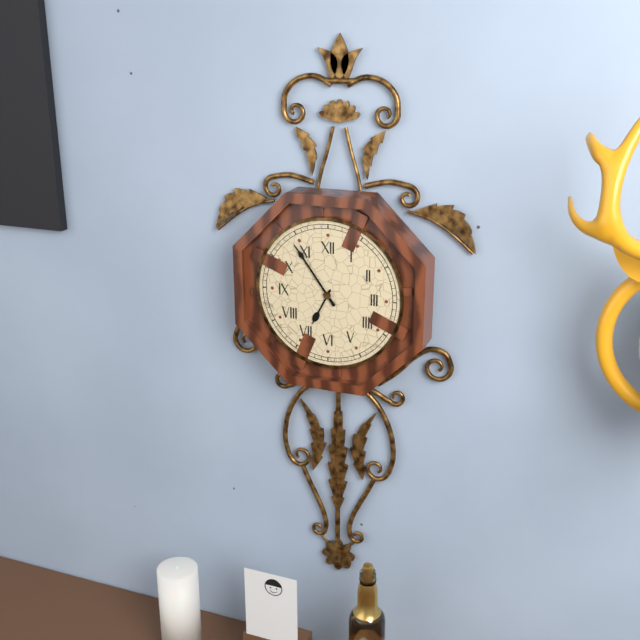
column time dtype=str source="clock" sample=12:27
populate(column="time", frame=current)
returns 6:54
